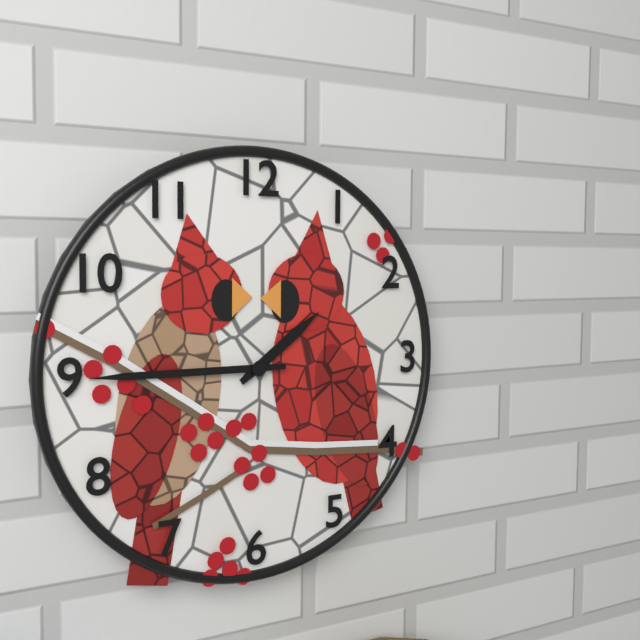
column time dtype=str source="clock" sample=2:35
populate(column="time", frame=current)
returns 1:45
